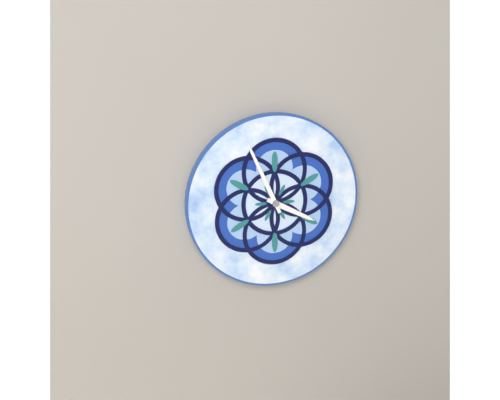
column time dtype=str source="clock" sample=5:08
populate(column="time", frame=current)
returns 3:56
